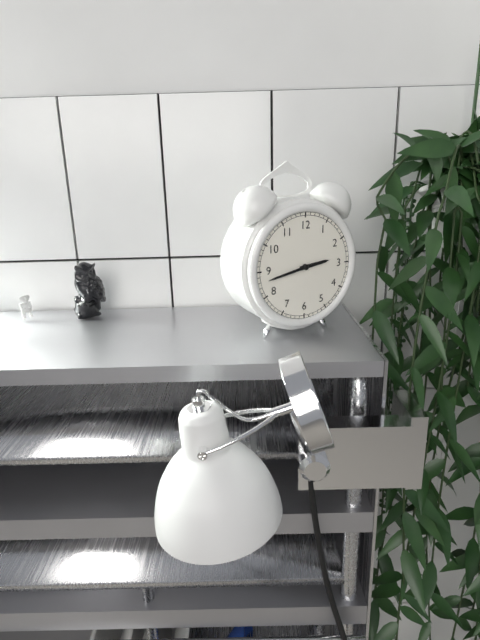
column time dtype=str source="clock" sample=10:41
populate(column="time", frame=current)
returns 2:43
